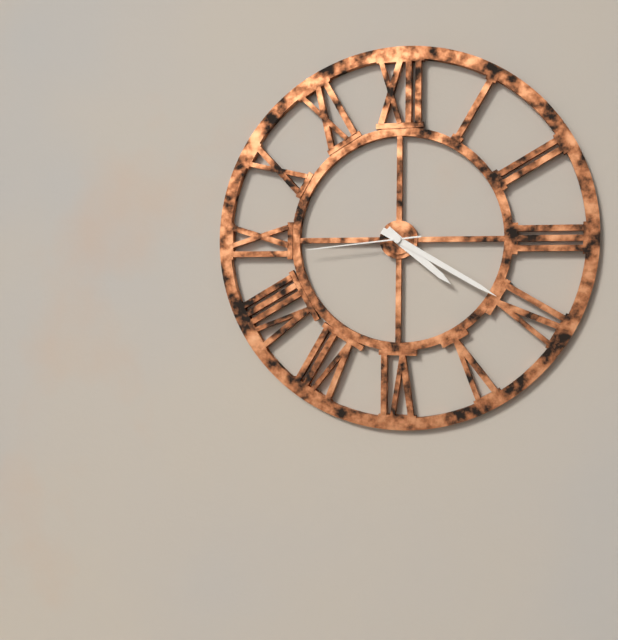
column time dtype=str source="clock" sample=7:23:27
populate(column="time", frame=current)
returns 4:20:44
